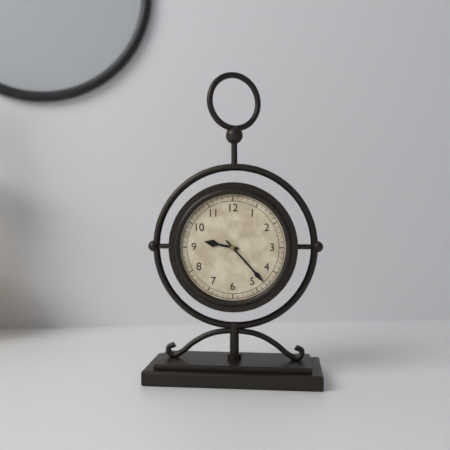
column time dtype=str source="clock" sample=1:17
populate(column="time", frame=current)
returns 9:23
